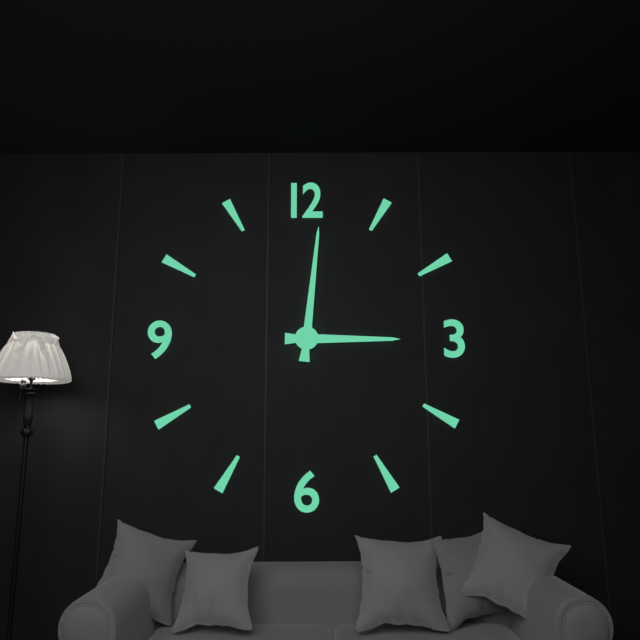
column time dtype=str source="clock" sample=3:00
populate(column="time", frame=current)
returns 3:01
